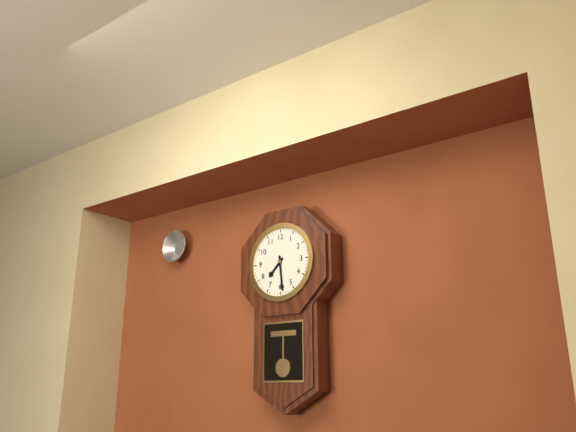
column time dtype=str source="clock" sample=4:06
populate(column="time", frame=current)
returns 7:29
